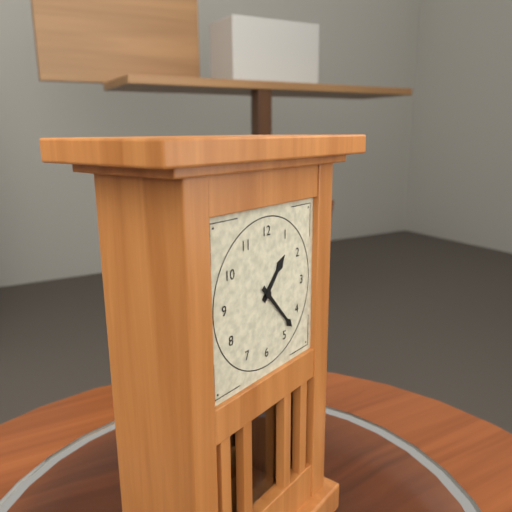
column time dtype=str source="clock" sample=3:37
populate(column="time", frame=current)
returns 1:23
